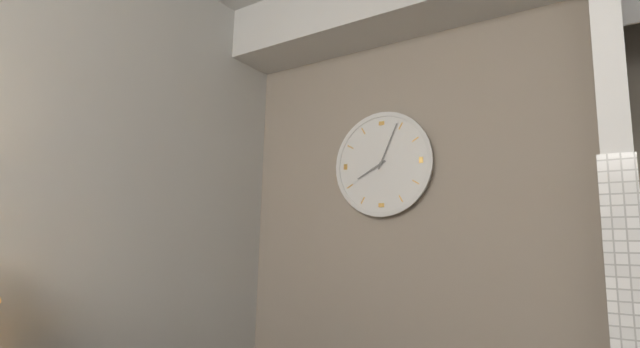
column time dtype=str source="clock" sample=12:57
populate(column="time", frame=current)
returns 8:04
